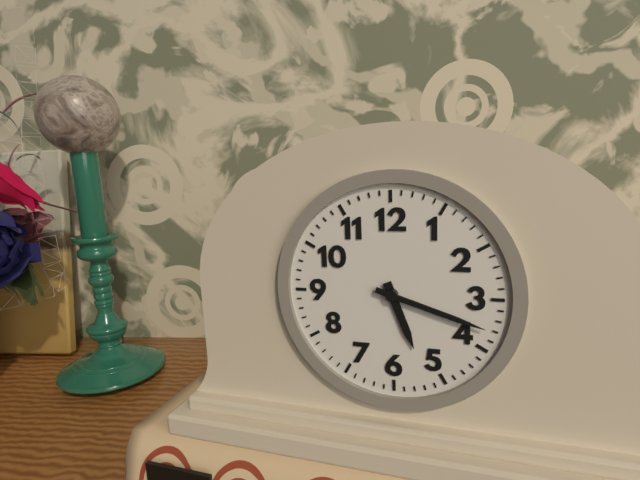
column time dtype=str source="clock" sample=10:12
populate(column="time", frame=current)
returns 5:18
